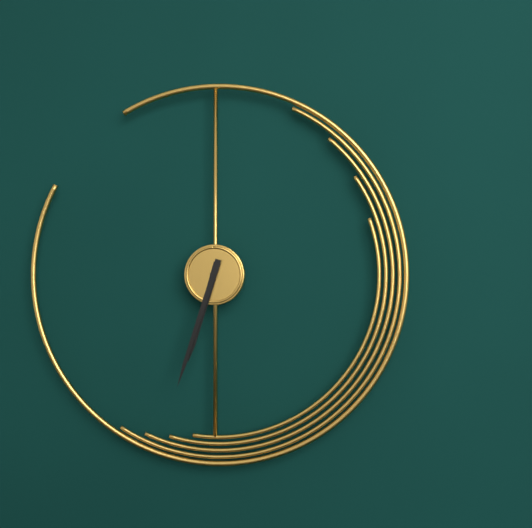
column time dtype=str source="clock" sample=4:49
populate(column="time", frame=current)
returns 6:33
